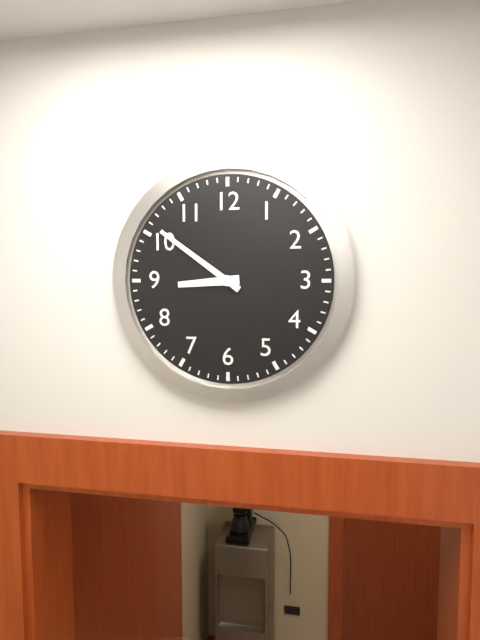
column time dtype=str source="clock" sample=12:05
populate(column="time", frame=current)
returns 8:51
